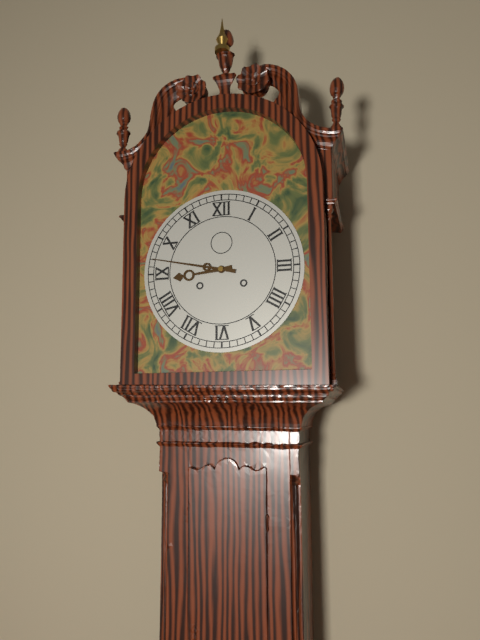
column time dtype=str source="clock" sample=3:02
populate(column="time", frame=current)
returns 8:47
